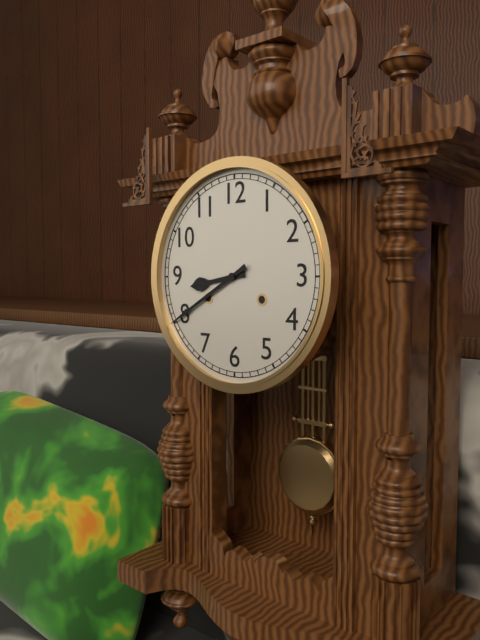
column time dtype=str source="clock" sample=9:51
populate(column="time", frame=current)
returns 8:40
